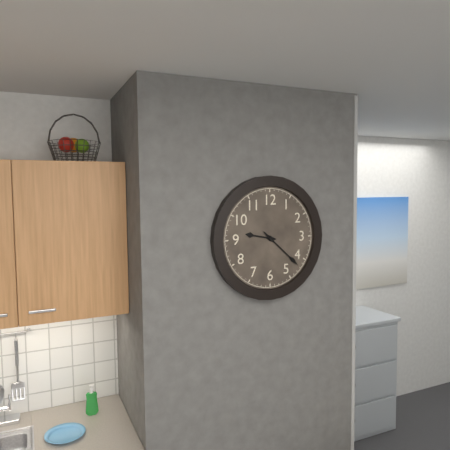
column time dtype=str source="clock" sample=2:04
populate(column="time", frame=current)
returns 9:22
